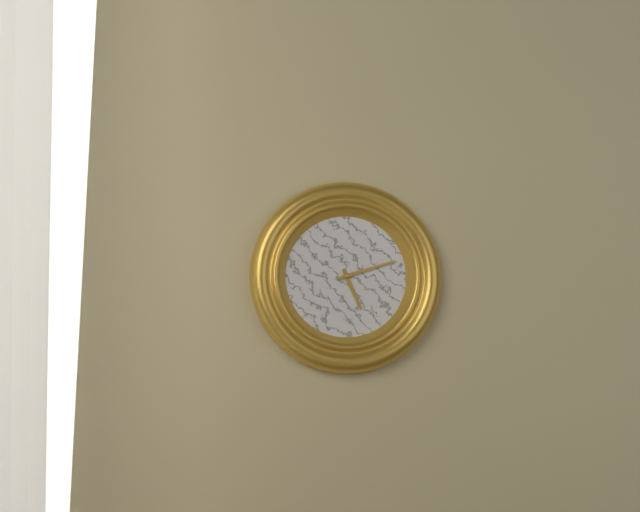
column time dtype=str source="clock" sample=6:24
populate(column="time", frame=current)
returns 5:12
